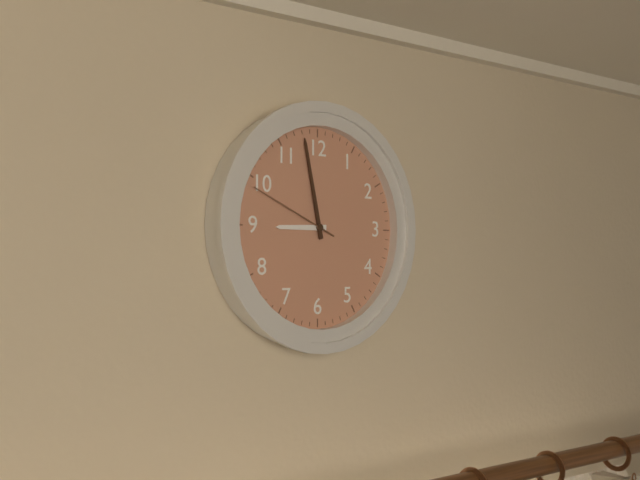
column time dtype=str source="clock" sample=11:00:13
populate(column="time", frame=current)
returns 8:58:49
